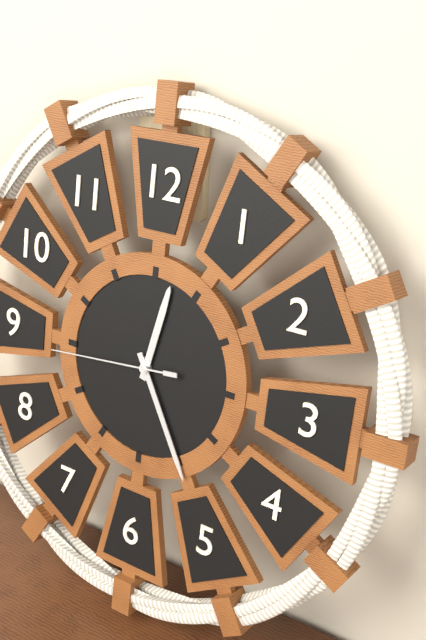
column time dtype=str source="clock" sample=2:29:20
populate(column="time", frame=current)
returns 12:25:44
